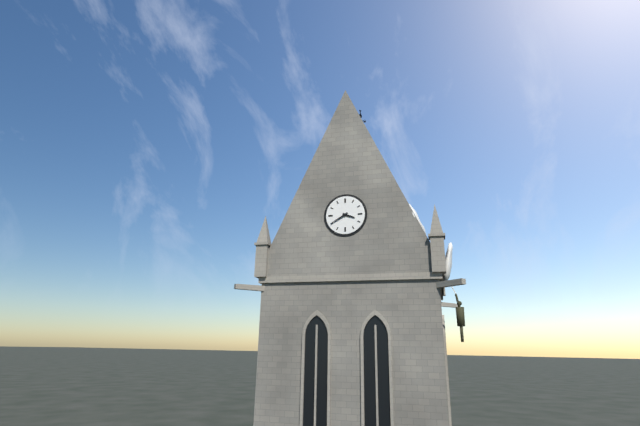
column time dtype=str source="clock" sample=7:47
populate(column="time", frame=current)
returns 3:40
